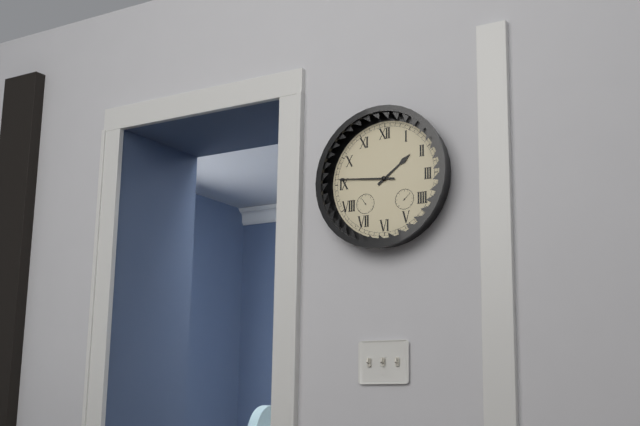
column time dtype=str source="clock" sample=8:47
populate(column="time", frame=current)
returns 1:46
